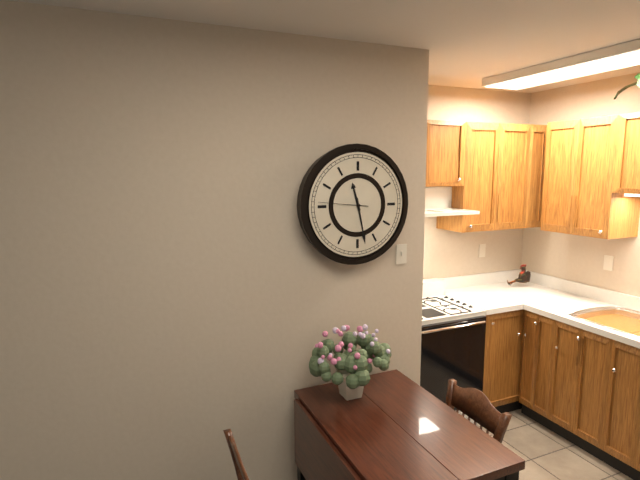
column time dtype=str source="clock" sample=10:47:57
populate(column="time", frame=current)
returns 11:28:46
